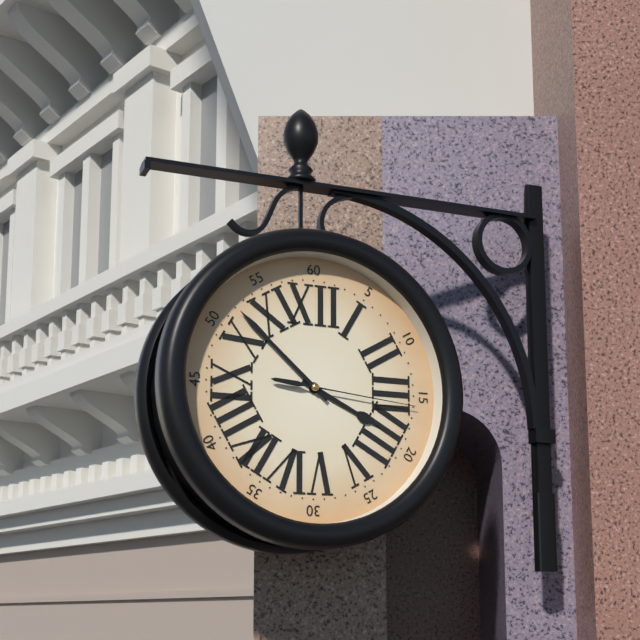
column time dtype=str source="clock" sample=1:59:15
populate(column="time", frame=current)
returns 3:52:16
